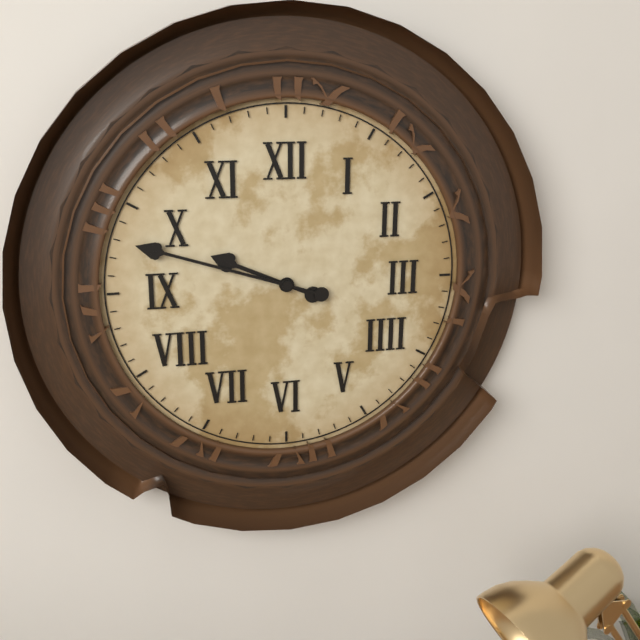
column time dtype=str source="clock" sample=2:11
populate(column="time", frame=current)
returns 9:48
